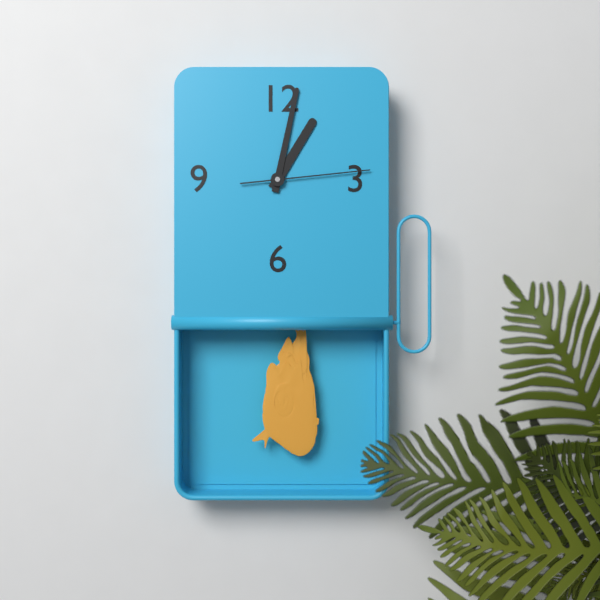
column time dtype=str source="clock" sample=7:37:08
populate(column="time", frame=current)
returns 1:02:14
